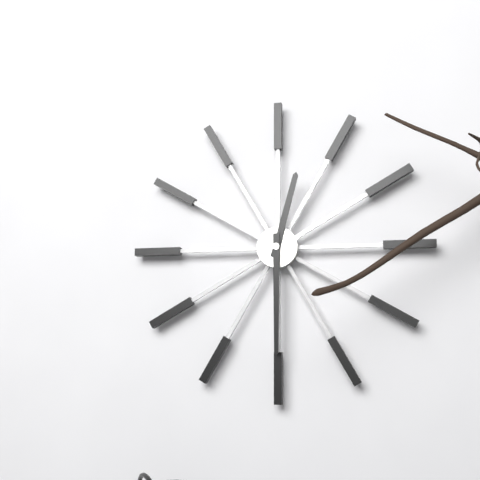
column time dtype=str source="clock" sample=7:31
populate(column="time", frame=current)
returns 12:30
